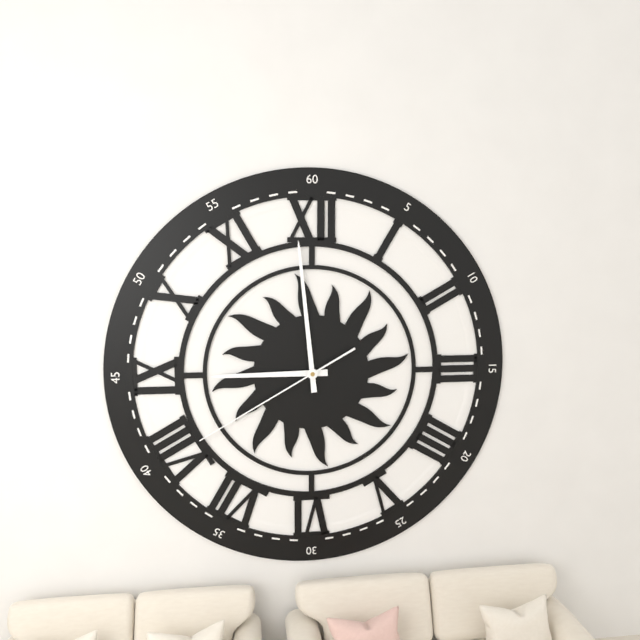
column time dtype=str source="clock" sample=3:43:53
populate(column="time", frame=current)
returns 8:59:40
